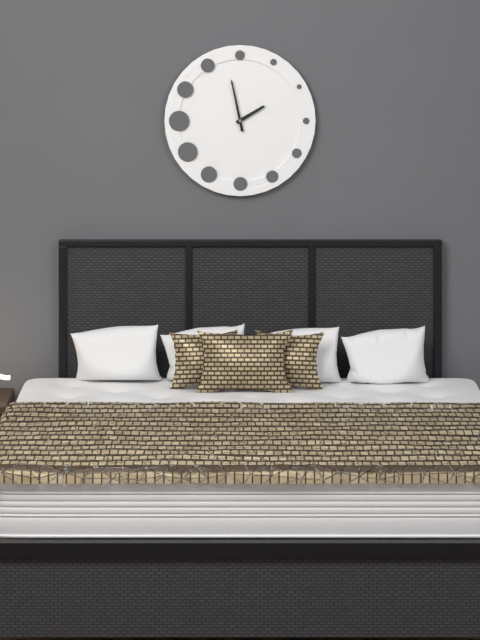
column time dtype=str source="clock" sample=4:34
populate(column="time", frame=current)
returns 1:58
